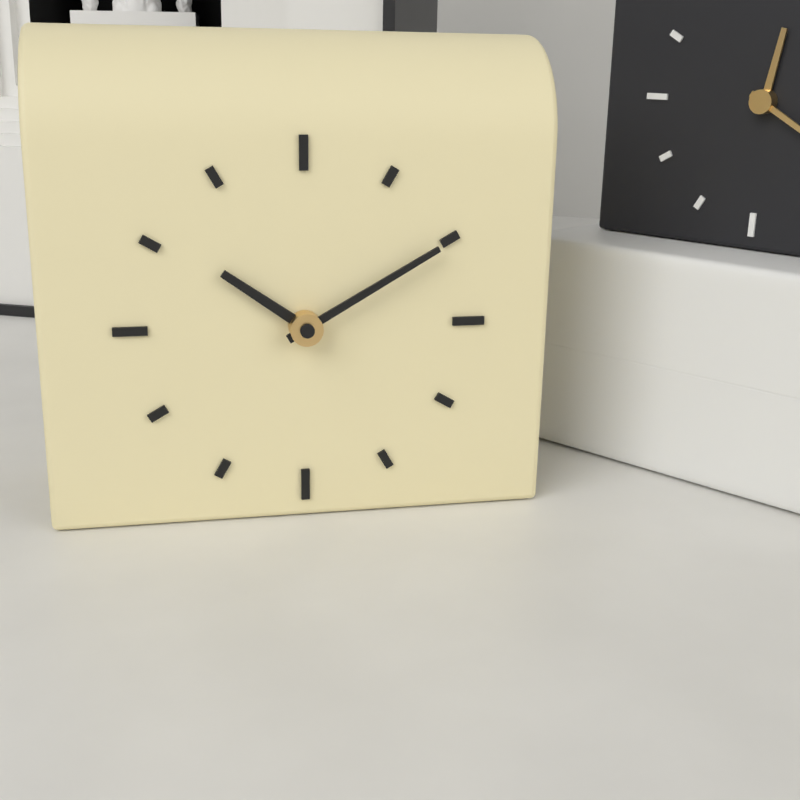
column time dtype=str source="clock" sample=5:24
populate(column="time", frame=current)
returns 10:10
